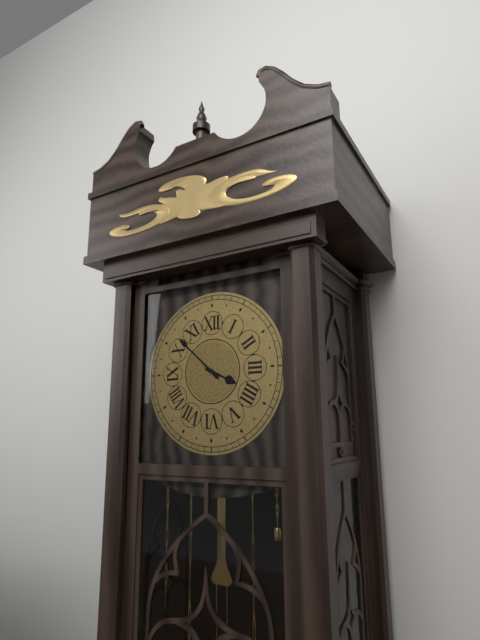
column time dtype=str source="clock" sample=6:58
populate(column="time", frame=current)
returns 3:52
